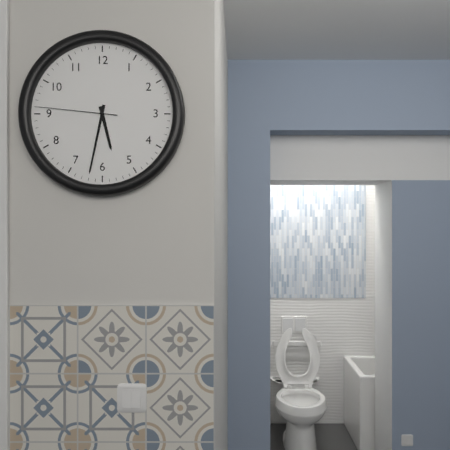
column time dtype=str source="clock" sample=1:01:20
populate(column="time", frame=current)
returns 5:32:46
